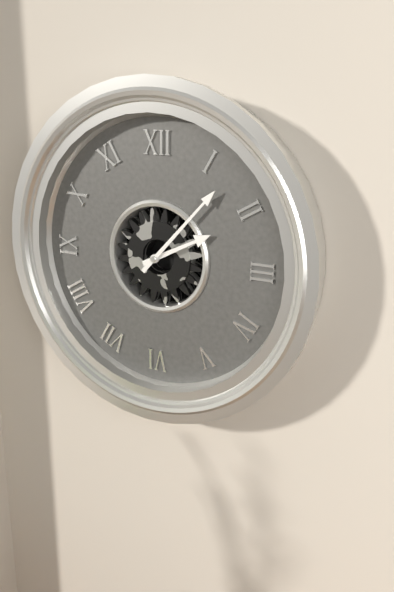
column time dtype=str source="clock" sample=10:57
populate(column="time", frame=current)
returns 2:07
